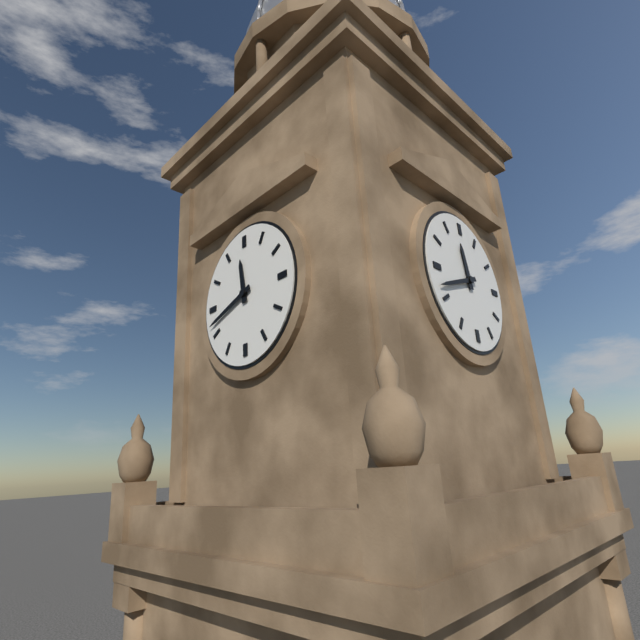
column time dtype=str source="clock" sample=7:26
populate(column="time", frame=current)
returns 11:42
